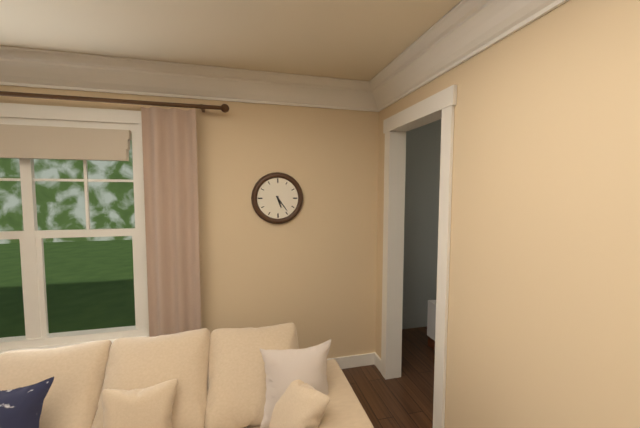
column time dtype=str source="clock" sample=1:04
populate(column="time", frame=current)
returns 5:24
